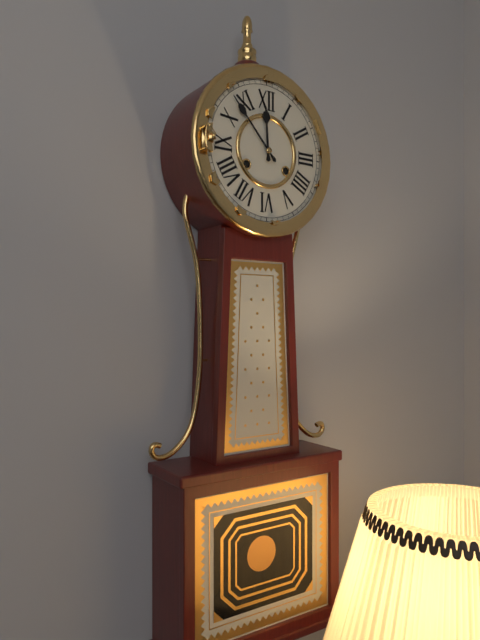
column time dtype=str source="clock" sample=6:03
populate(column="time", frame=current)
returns 11:53
